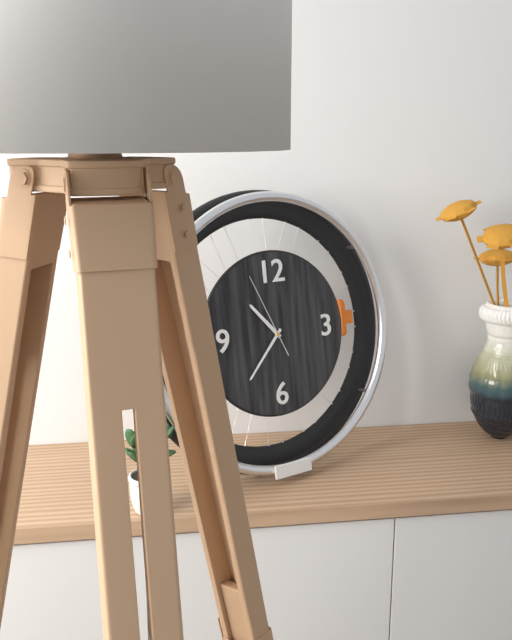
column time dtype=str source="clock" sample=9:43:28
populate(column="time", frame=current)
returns 10:37:56
